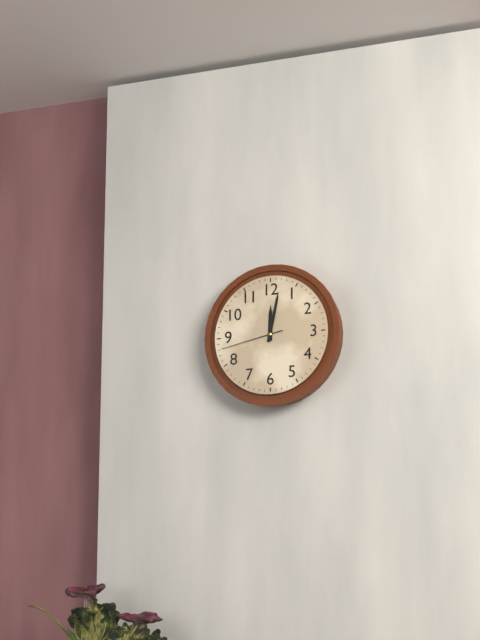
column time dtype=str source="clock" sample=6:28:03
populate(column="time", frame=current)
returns 12:02:43
